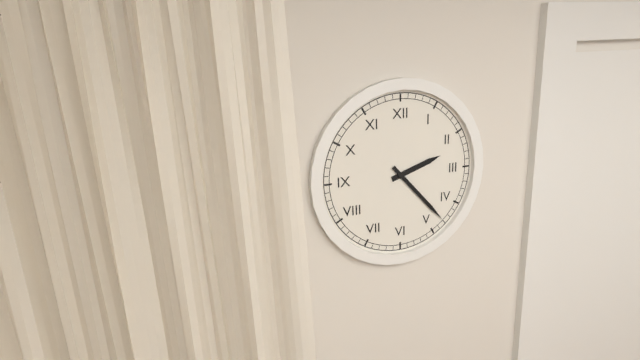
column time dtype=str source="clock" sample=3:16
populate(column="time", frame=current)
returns 2:23
